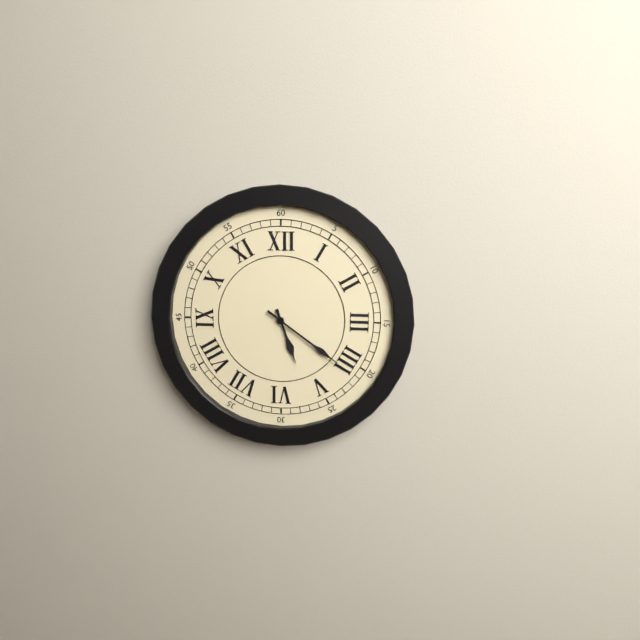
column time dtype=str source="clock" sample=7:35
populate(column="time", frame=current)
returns 5:21
